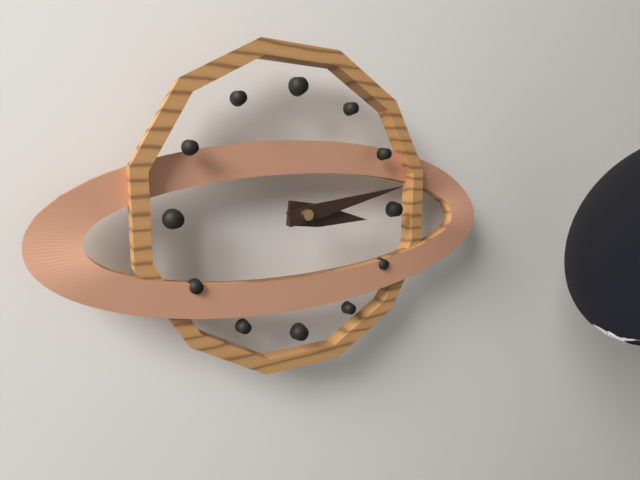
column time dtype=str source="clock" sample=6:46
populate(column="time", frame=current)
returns 3:13
